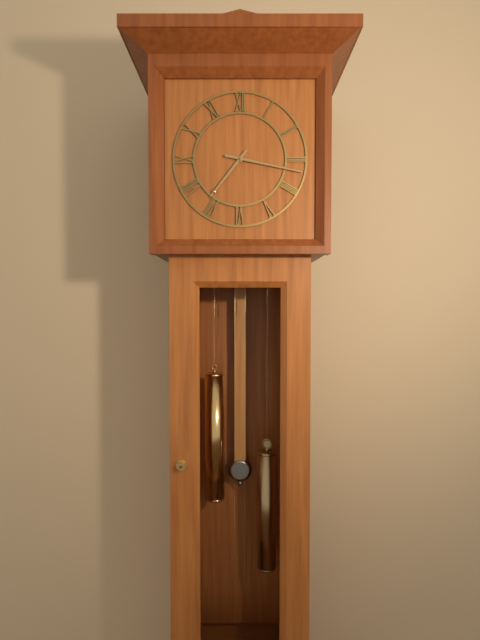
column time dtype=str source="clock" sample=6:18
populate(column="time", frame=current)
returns 7:17
